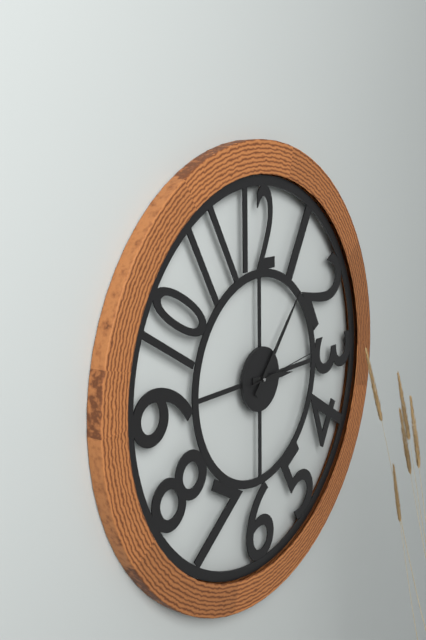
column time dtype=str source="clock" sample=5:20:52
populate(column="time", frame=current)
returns 3:07:14
